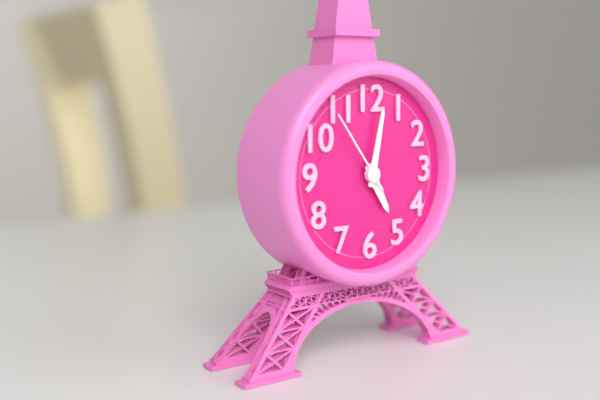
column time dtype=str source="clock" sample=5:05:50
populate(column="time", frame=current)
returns 5:02:54
